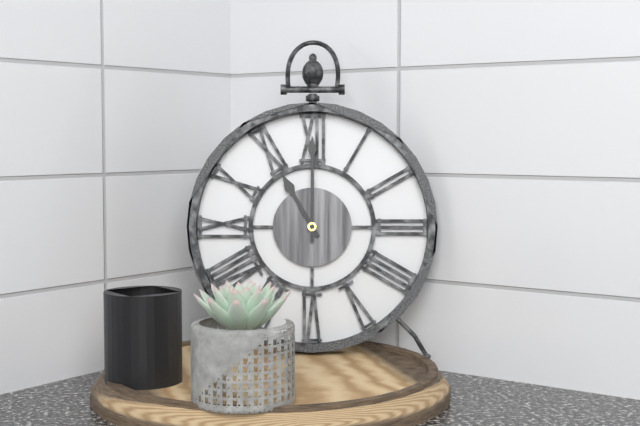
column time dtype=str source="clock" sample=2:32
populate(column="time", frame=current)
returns 11:00
